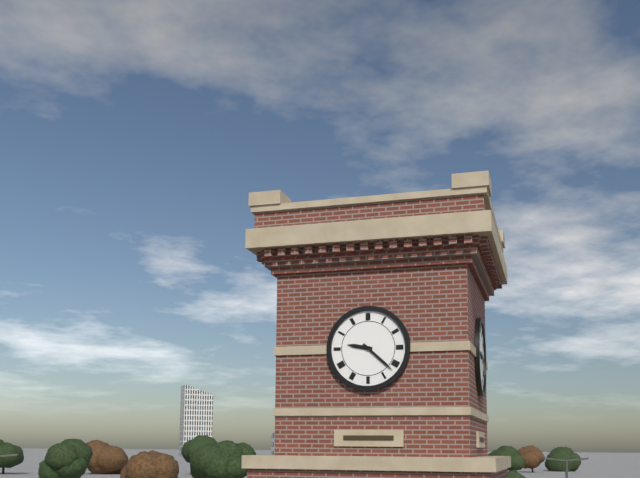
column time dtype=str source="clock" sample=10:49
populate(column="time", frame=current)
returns 9:22
